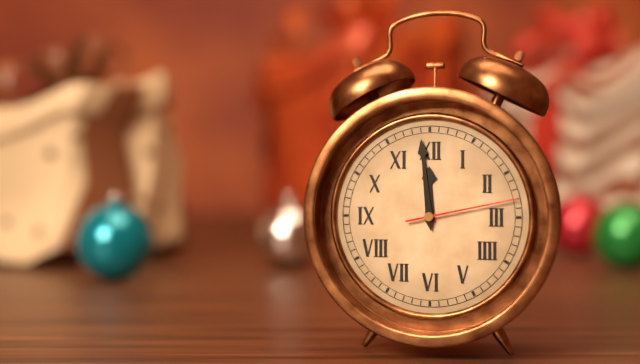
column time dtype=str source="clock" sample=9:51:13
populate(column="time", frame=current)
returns 11:59:13
